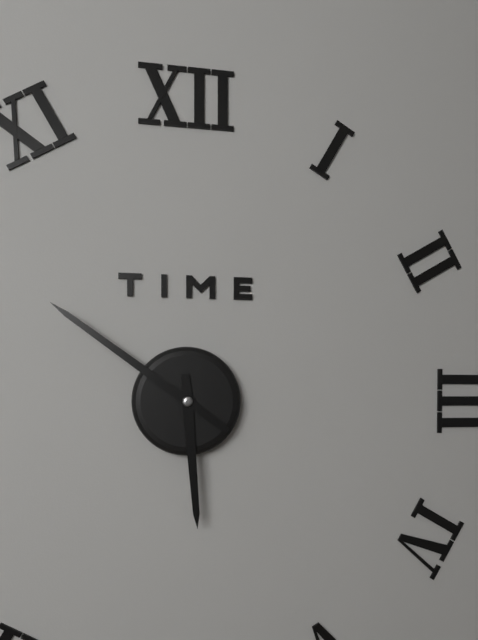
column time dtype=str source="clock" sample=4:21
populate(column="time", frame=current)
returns 5:51
